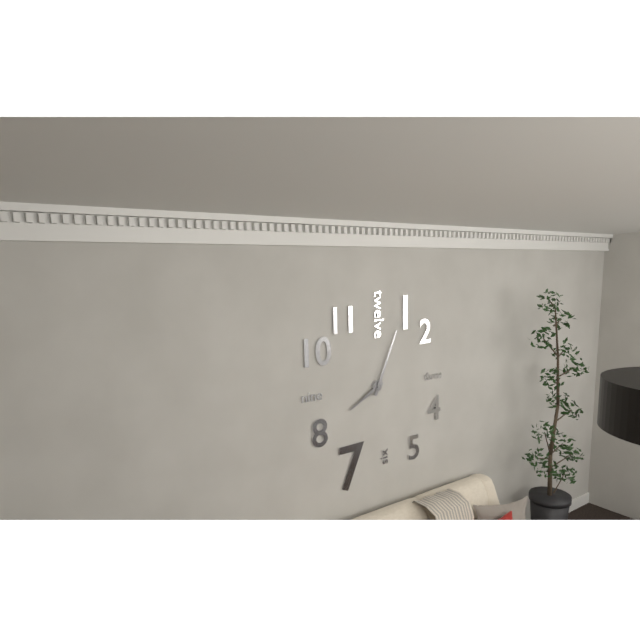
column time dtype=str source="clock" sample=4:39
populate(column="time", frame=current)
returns 8:04
